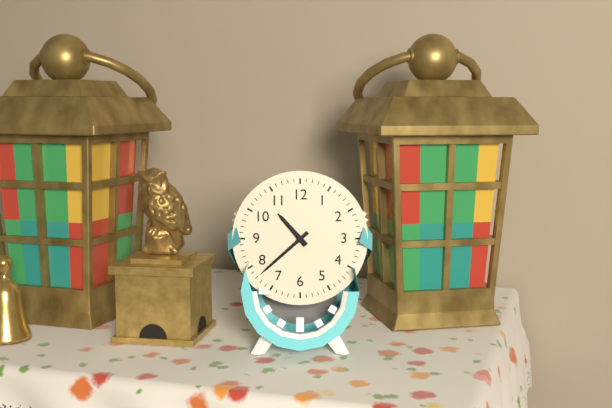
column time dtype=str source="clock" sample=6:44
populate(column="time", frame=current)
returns 10:38
